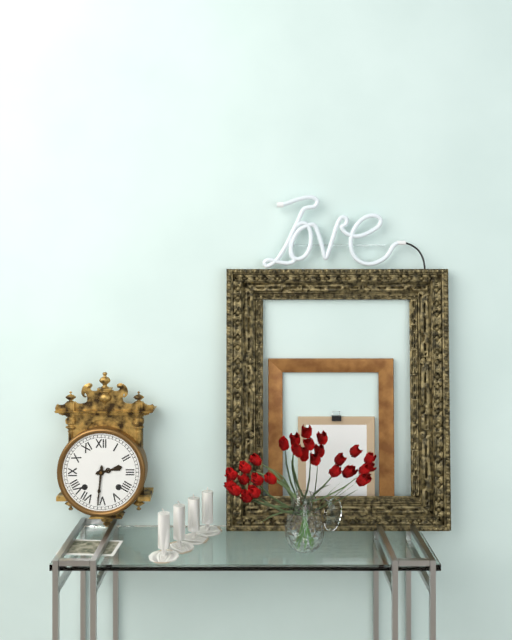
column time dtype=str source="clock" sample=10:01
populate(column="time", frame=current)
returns 2:31
